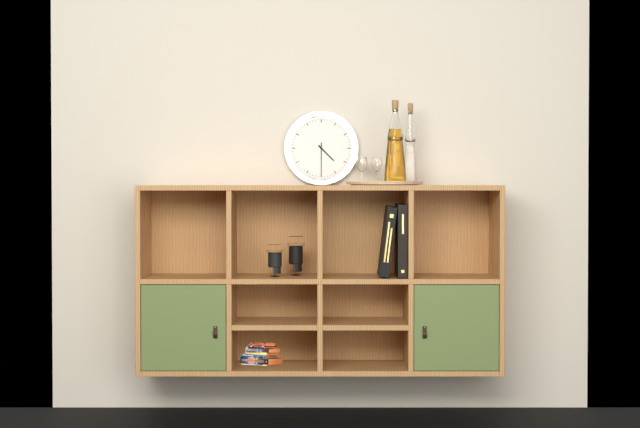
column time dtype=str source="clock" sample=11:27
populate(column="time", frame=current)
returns 4:30
